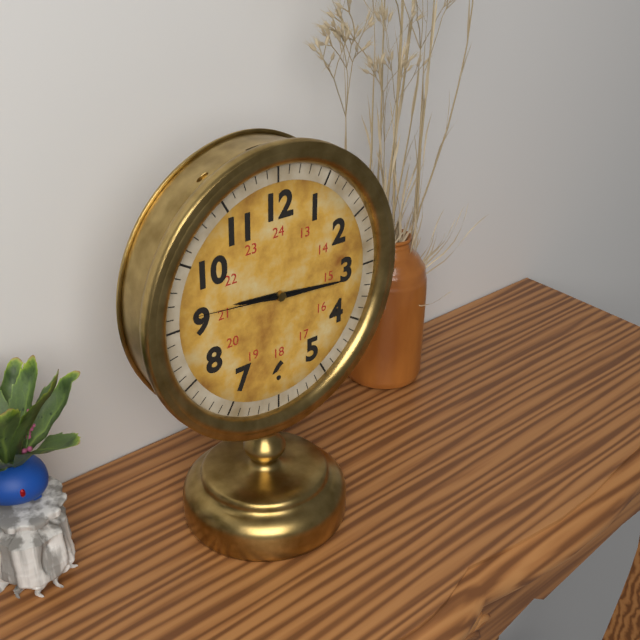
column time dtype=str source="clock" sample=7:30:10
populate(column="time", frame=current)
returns 9:16:46
